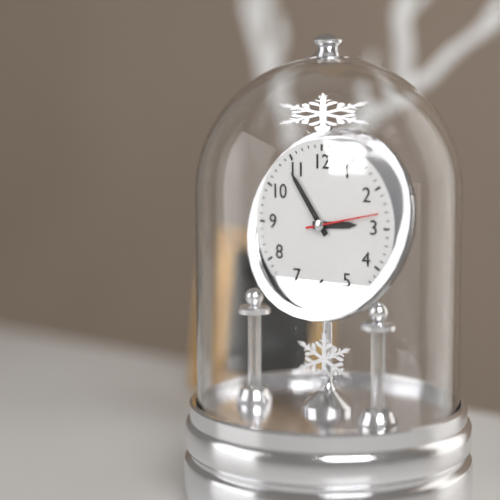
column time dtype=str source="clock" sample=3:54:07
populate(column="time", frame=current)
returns 2:54:13
